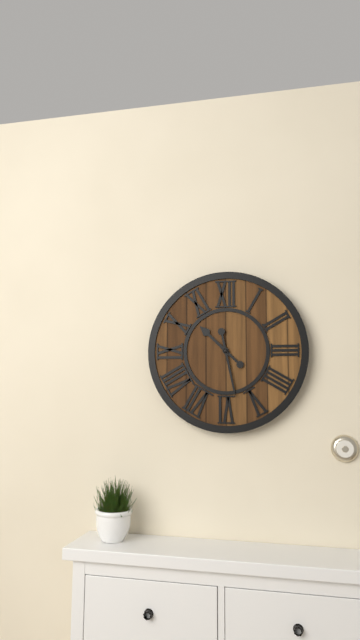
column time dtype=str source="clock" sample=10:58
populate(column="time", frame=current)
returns 10:28
